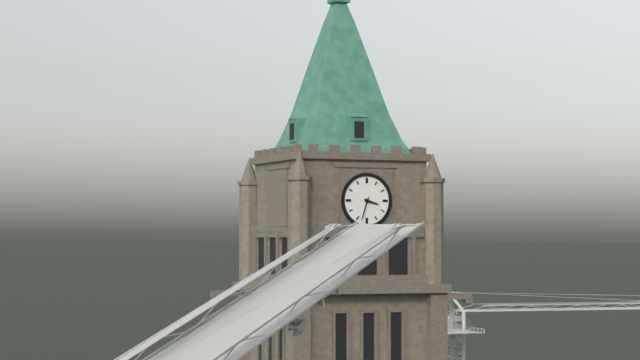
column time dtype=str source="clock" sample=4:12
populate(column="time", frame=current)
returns 3:33
